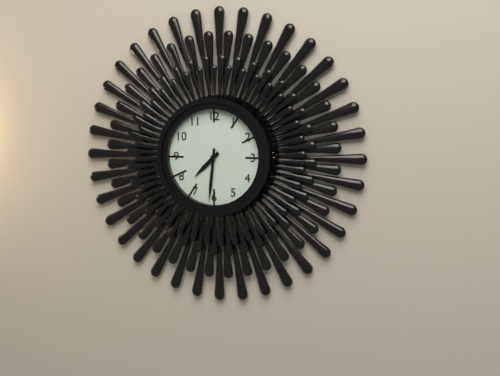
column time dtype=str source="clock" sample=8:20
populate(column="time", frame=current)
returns 7:31
